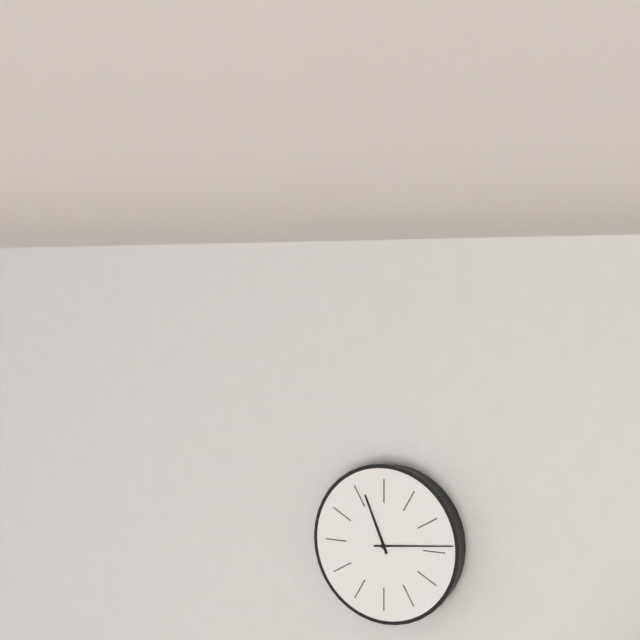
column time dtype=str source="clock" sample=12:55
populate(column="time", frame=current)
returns 11:14
